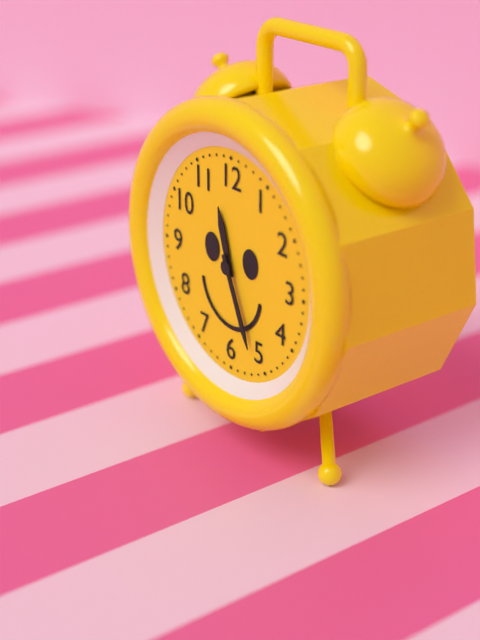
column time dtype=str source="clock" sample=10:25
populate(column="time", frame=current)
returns 11:26
